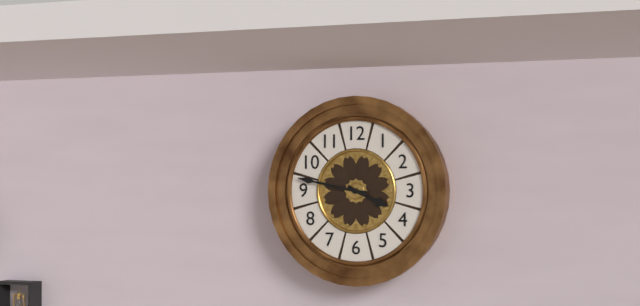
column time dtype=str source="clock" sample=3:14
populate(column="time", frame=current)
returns 3:47
